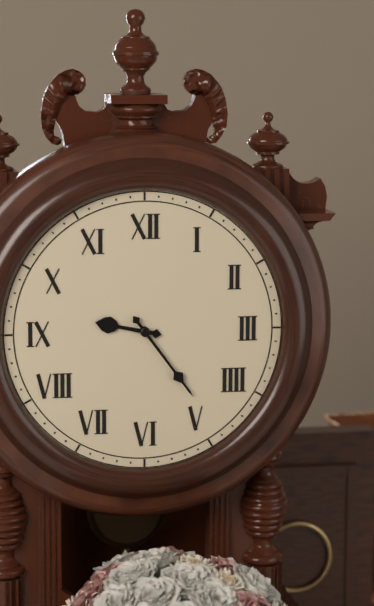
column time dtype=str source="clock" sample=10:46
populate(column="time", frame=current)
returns 9:24
